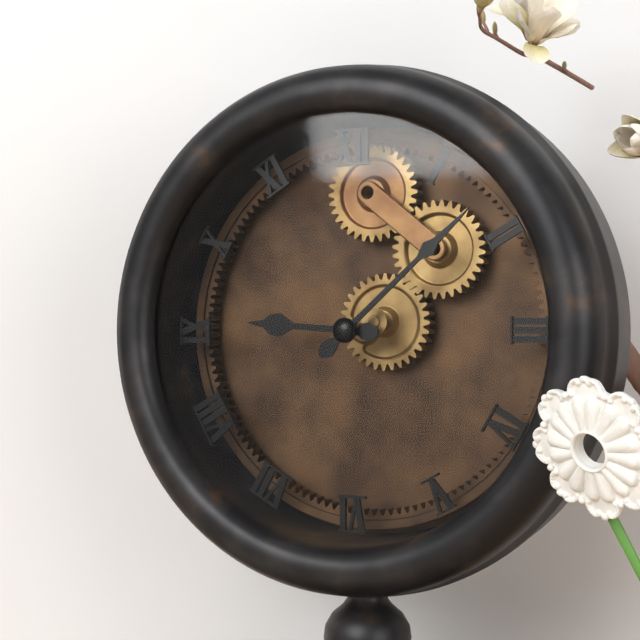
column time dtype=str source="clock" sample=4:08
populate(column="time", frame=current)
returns 9:08
